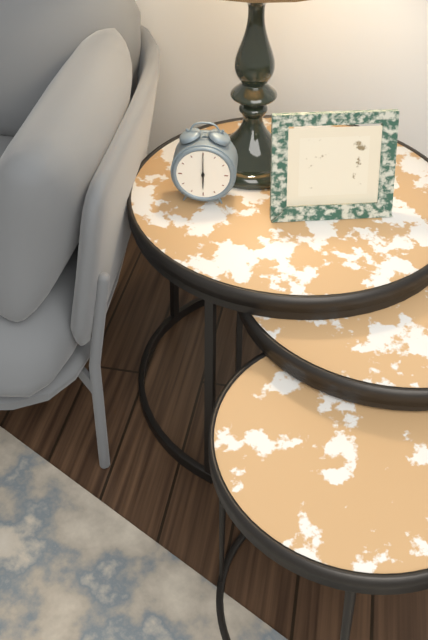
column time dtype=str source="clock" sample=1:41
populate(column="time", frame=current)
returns 6:00
